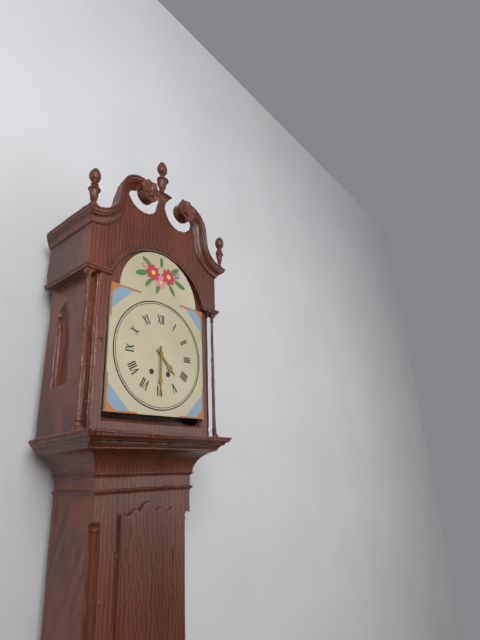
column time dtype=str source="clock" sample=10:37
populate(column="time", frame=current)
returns 4:30
